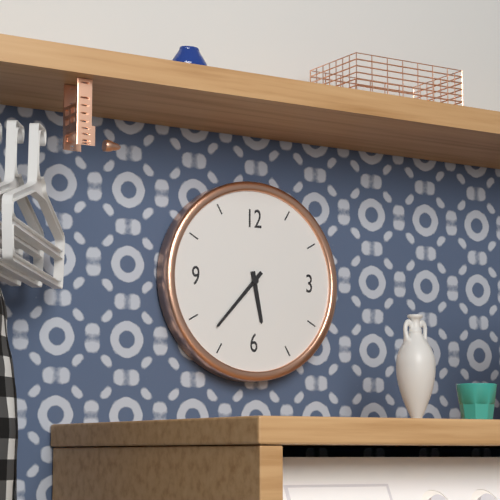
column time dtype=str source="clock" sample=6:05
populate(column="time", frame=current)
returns 5:37
